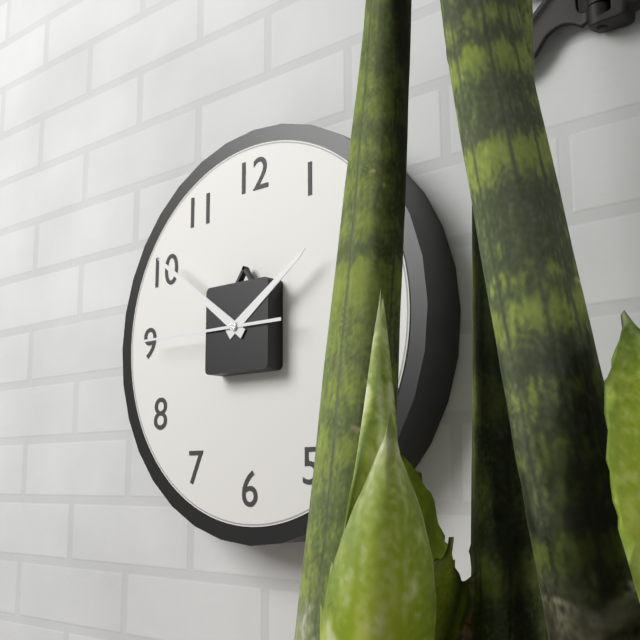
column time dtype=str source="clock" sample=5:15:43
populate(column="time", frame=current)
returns 1:51:45
